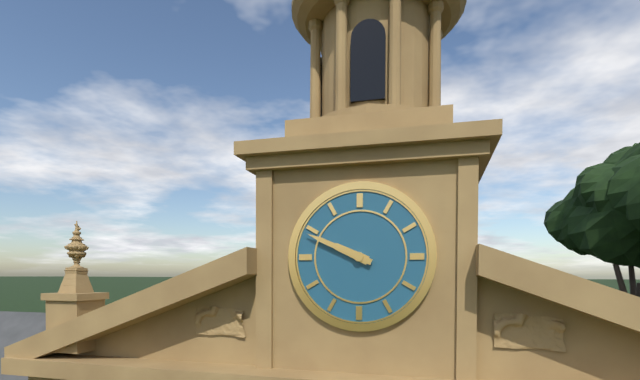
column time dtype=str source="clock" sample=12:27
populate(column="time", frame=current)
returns 9:49
